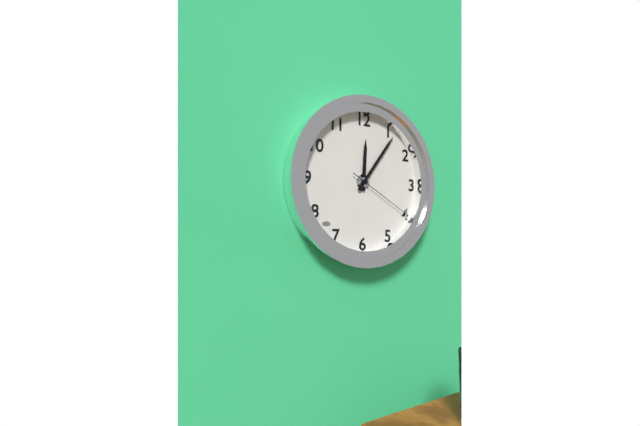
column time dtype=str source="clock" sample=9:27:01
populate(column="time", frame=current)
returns 12:06:20
